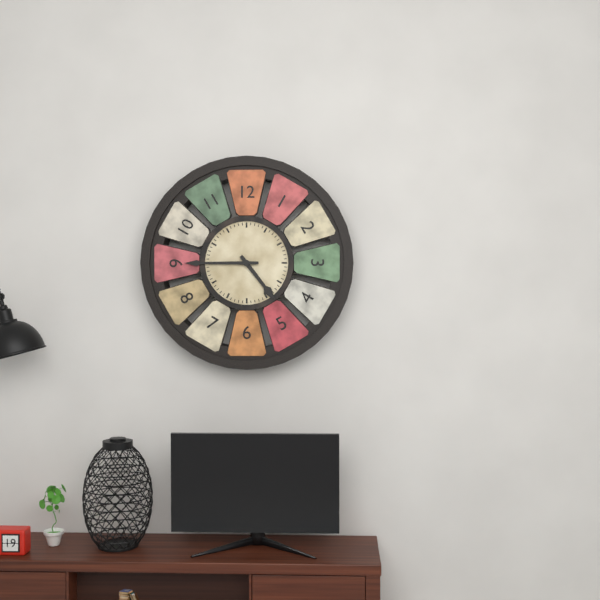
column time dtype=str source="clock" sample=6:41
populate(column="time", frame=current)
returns 4:45
